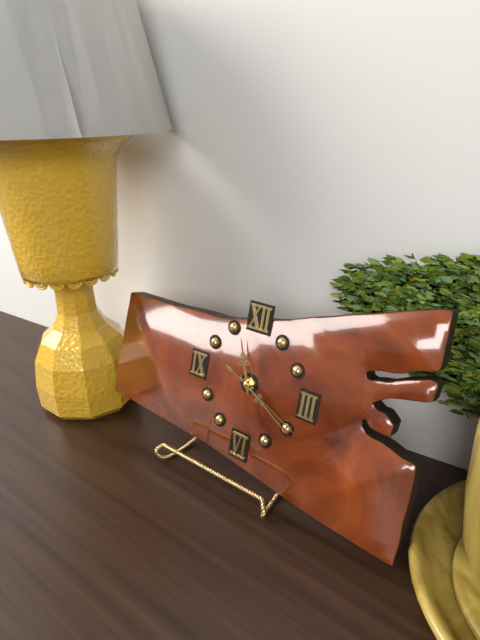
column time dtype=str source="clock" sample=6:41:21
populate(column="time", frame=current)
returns 11:20:19
